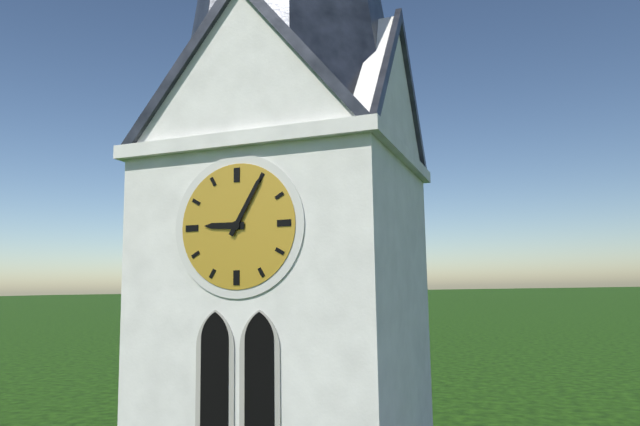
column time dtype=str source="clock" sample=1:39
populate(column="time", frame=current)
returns 9:05
